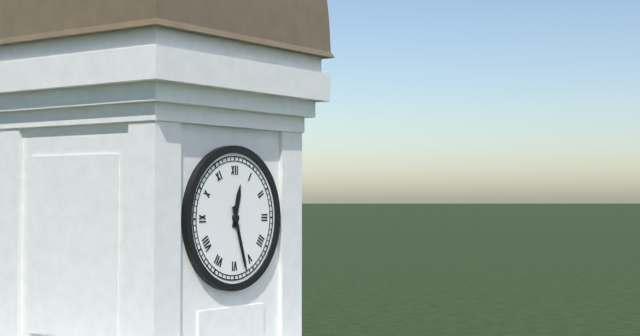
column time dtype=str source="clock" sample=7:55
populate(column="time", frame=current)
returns 12:27
